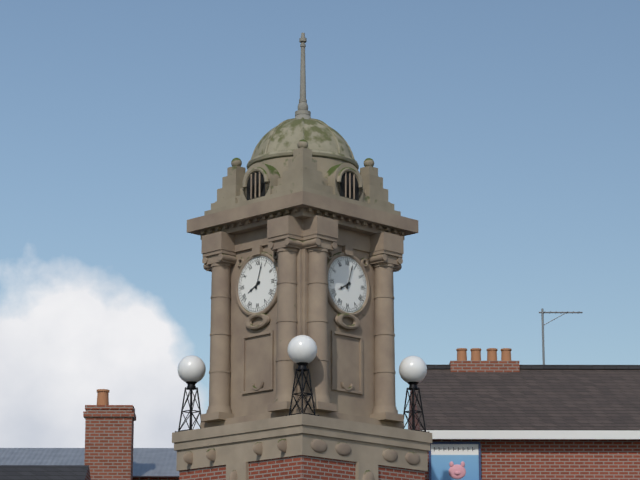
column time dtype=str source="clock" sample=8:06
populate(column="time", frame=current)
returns 8:03
